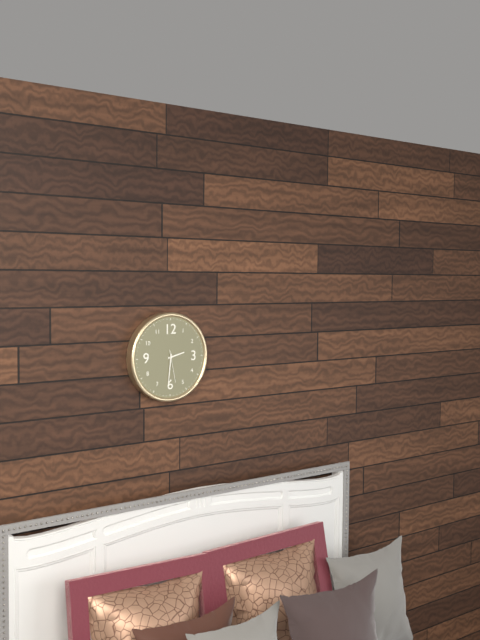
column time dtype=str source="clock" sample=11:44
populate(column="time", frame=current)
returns 2:31
